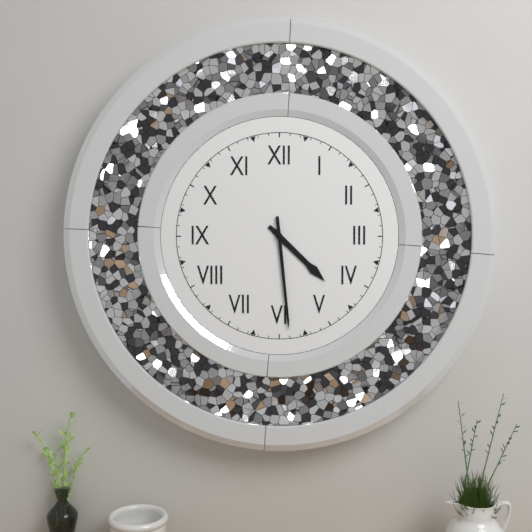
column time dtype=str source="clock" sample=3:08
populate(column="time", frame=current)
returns 4:29
